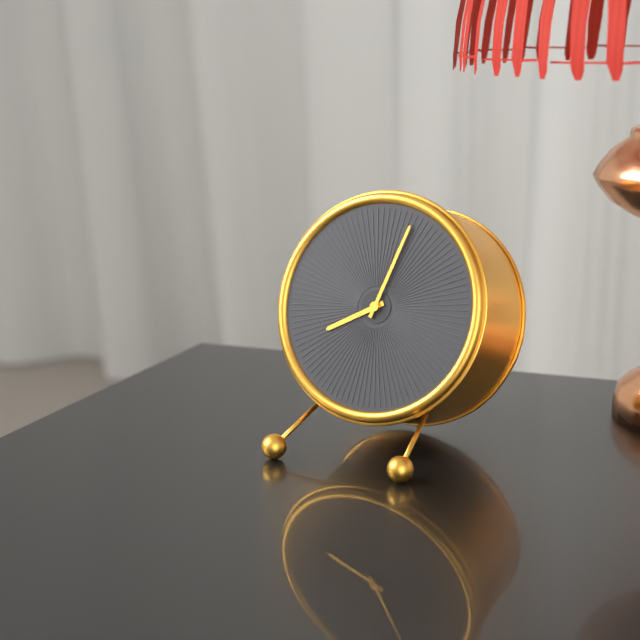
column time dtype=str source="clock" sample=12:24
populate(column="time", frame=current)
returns 8:03
